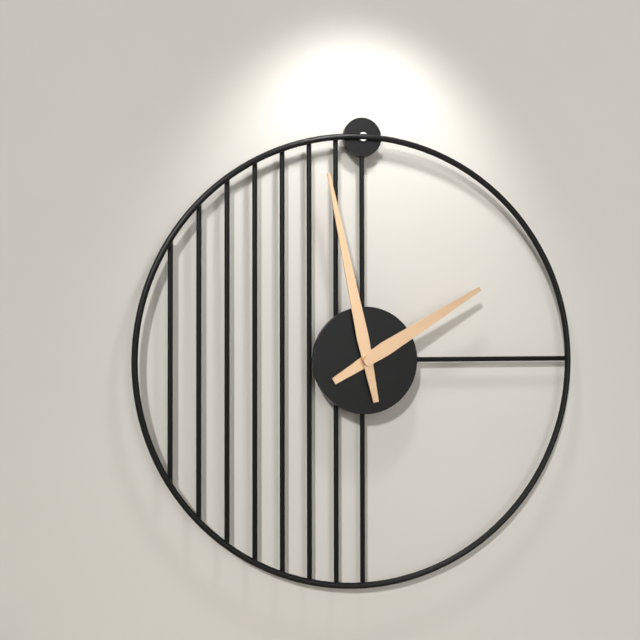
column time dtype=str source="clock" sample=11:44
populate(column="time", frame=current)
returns 1:58
